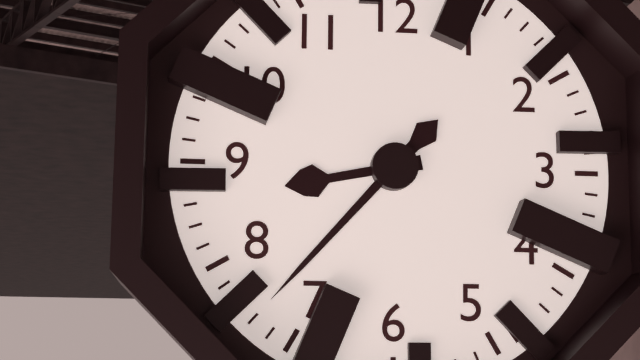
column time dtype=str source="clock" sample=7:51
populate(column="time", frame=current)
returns 8:37
